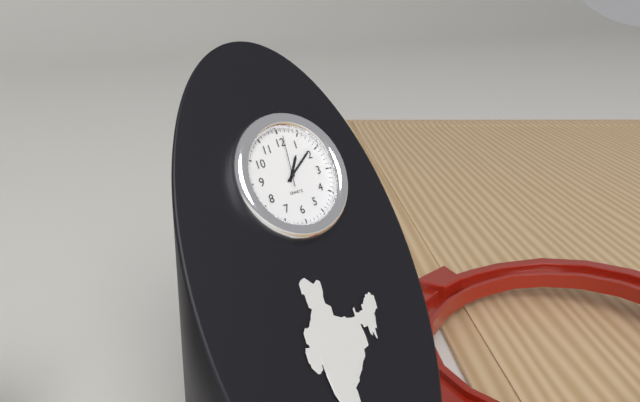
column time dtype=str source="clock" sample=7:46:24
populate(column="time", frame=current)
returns 1:09:01
